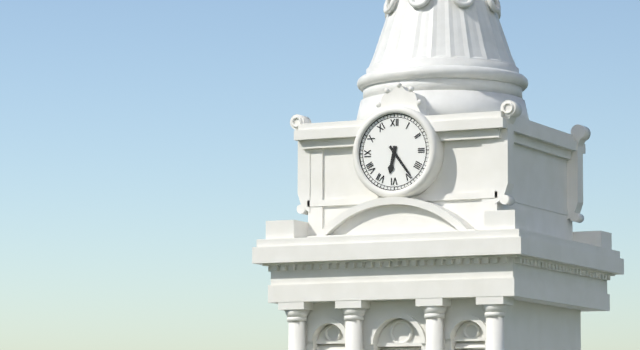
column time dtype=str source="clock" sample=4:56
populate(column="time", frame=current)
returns 6:24
